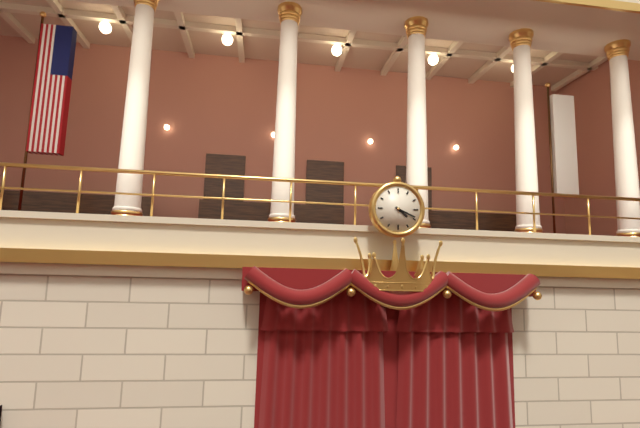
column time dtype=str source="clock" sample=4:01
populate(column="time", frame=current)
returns 4:19
